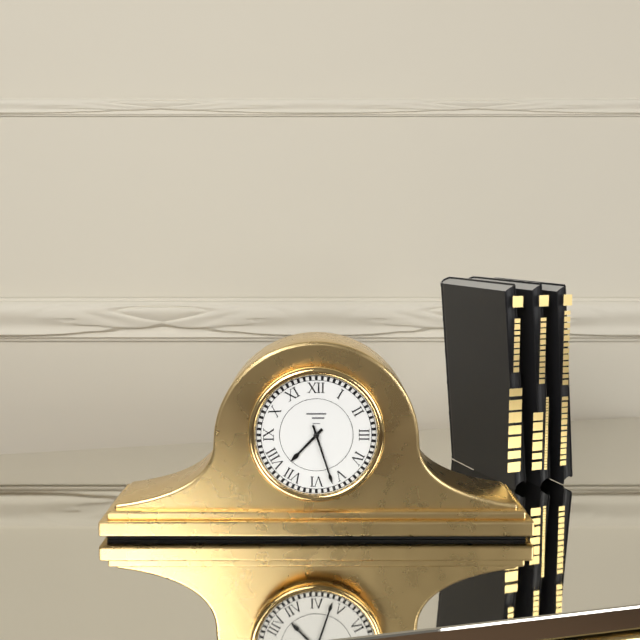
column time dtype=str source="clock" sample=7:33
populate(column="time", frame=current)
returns 7:27
